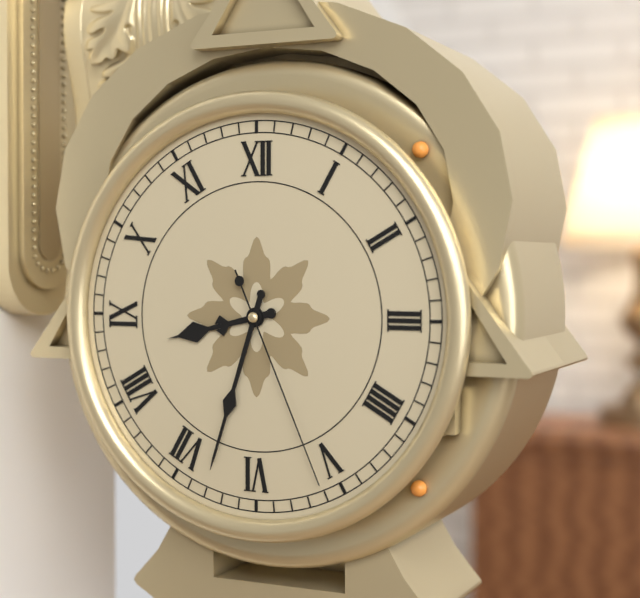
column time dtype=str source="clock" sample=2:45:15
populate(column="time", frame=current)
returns 8:33:26
